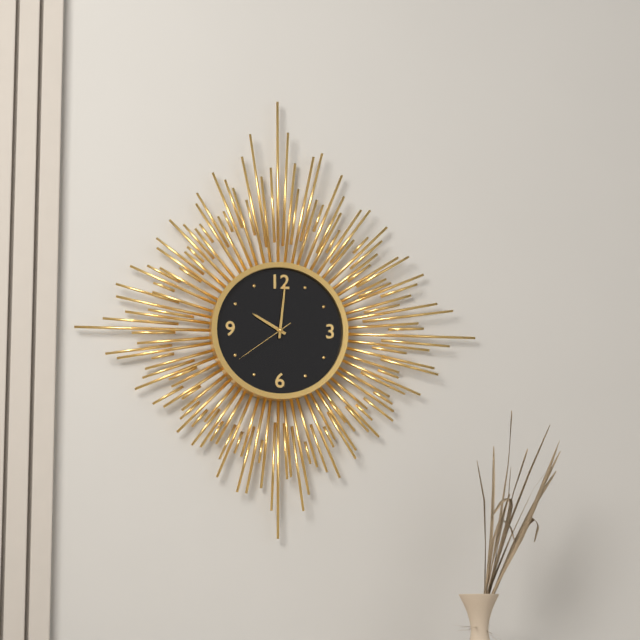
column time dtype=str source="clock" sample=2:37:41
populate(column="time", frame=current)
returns 10:01:39
